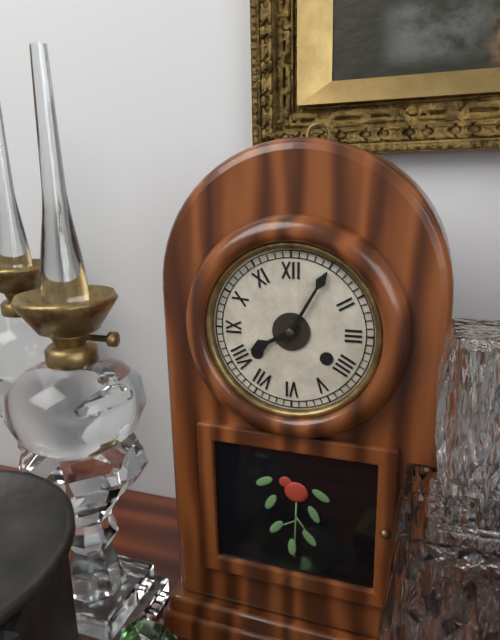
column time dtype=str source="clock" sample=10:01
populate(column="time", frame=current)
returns 8:05
